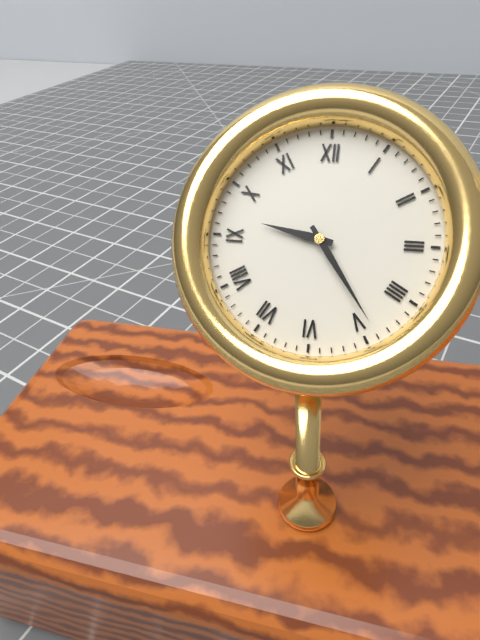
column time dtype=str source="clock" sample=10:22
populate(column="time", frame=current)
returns 9:24
